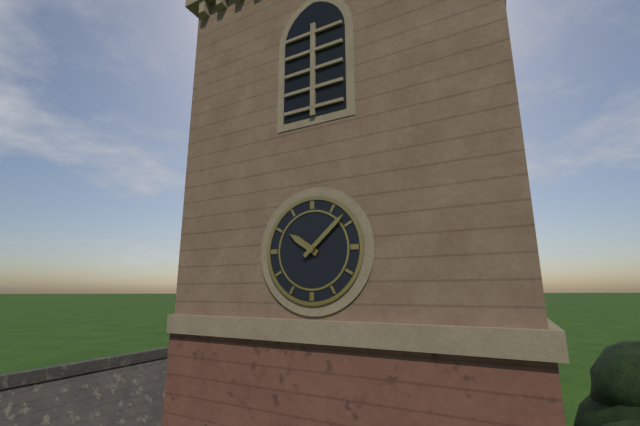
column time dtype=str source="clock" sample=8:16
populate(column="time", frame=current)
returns 10:08
